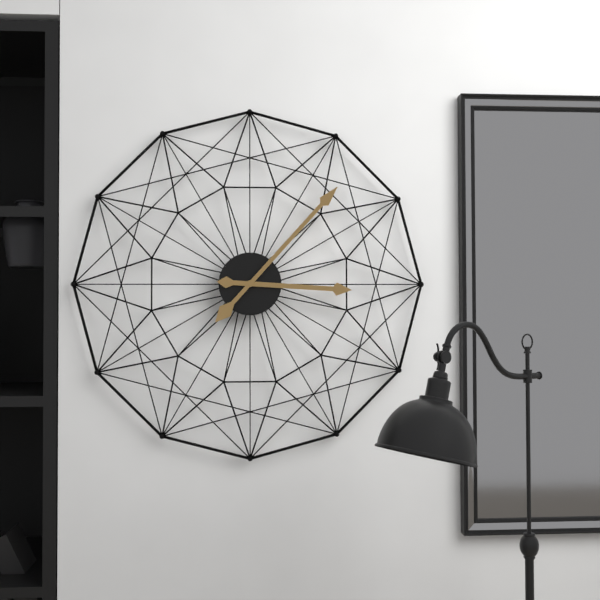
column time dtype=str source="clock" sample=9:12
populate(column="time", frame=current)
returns 3:07
